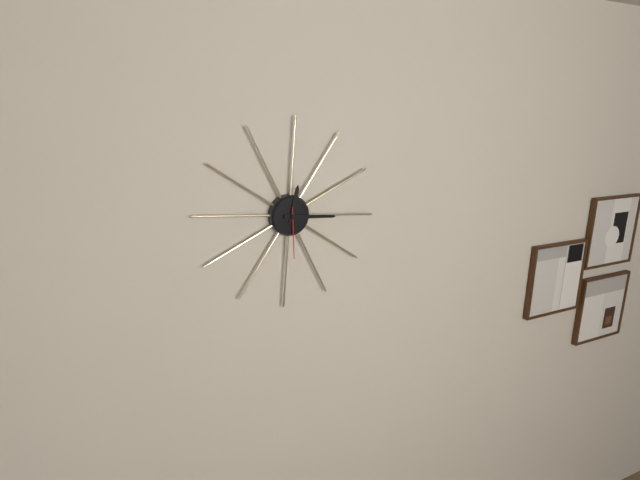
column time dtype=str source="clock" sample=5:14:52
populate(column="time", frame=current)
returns 12:15:29
